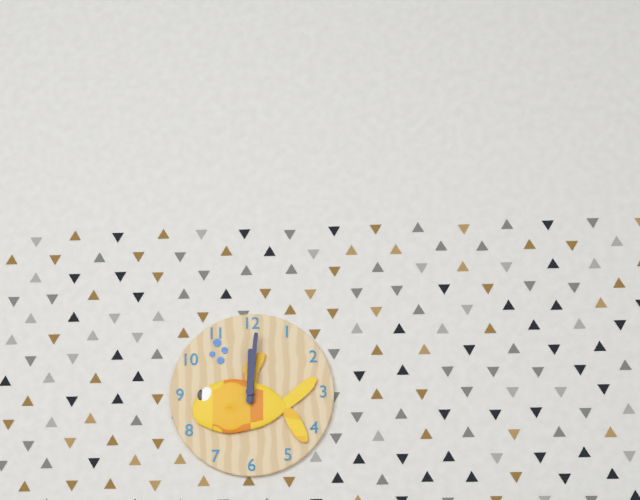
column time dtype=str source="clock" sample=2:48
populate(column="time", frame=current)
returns 12:01
